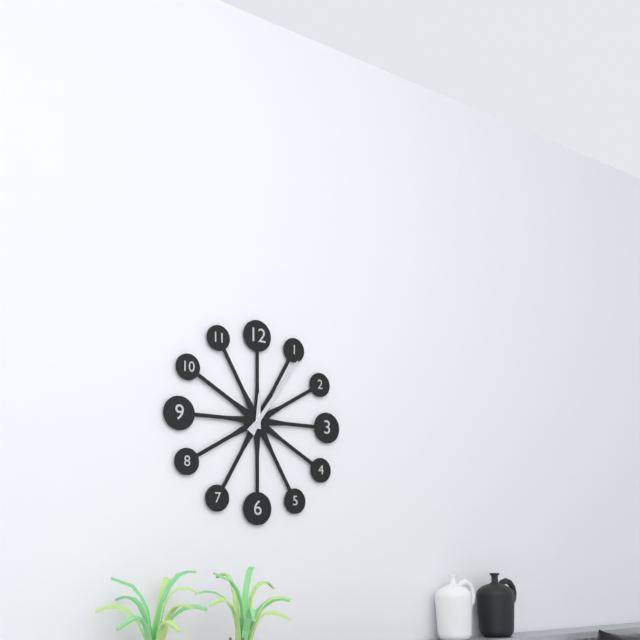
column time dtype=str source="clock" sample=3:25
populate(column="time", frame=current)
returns 12:06
